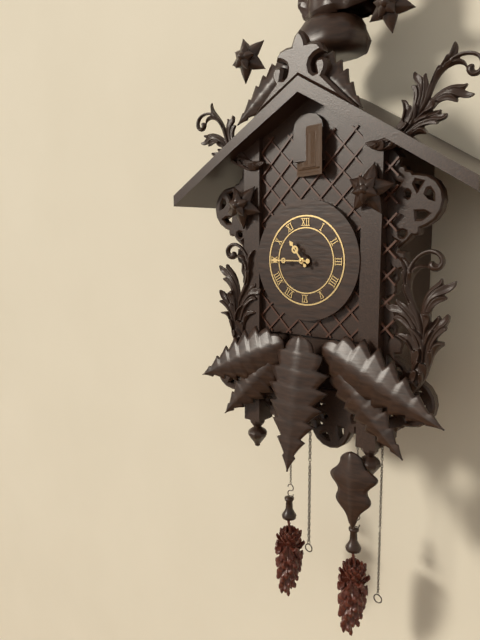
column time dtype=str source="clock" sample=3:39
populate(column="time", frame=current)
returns 10:45
